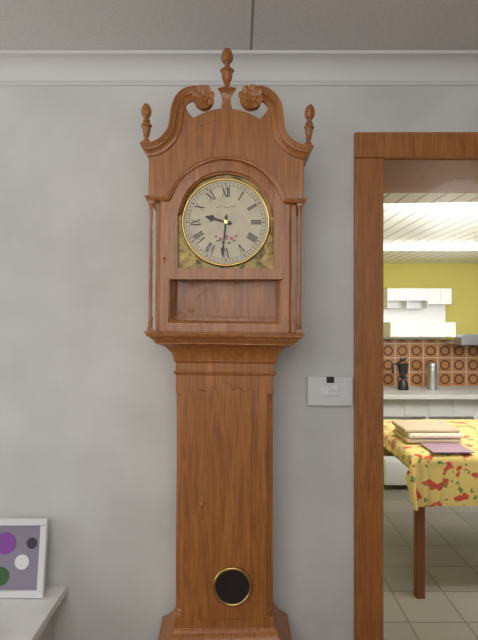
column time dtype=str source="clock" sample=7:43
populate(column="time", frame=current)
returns 9:31
